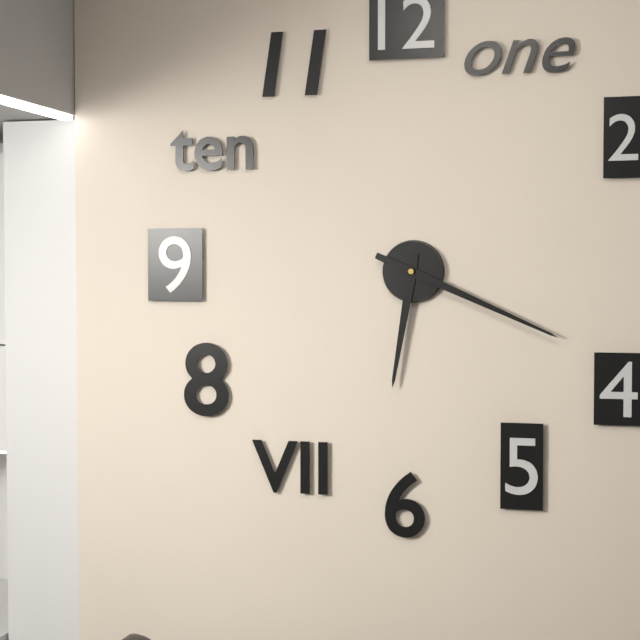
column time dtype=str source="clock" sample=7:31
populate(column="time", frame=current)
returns 6:19
